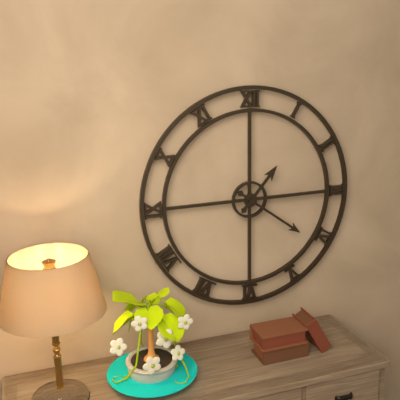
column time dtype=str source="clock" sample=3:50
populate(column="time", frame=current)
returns 1:21
